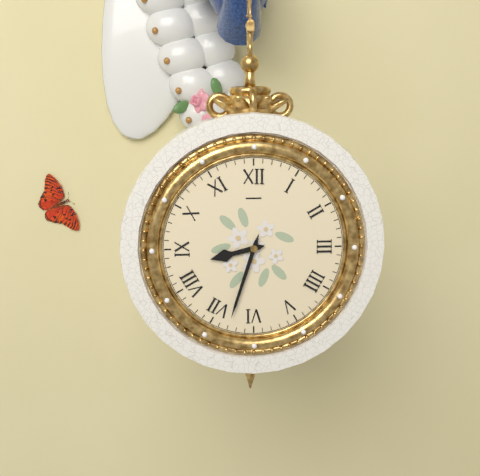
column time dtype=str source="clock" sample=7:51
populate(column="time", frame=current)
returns 8:33
